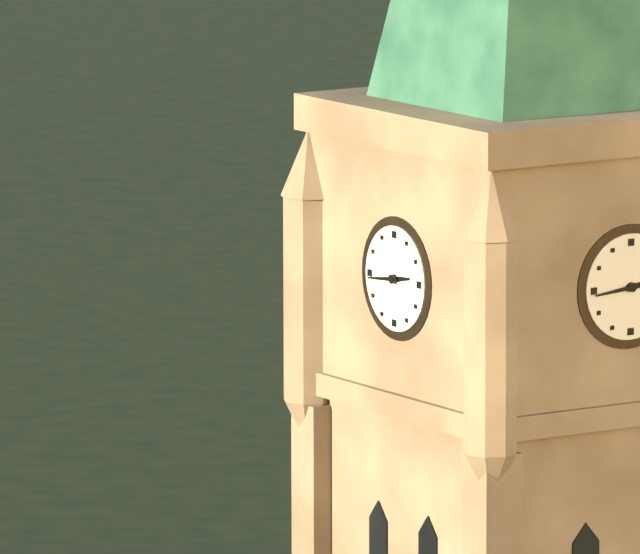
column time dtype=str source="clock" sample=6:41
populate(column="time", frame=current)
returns 2:44
